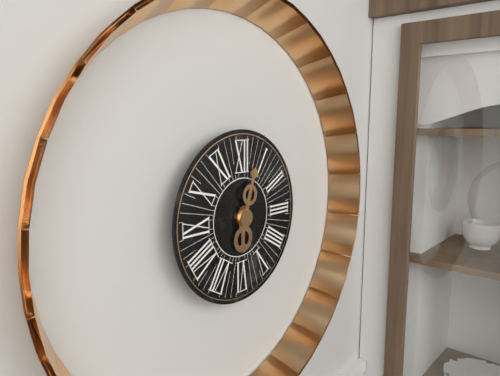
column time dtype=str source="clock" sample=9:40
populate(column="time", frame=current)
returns 6:03
